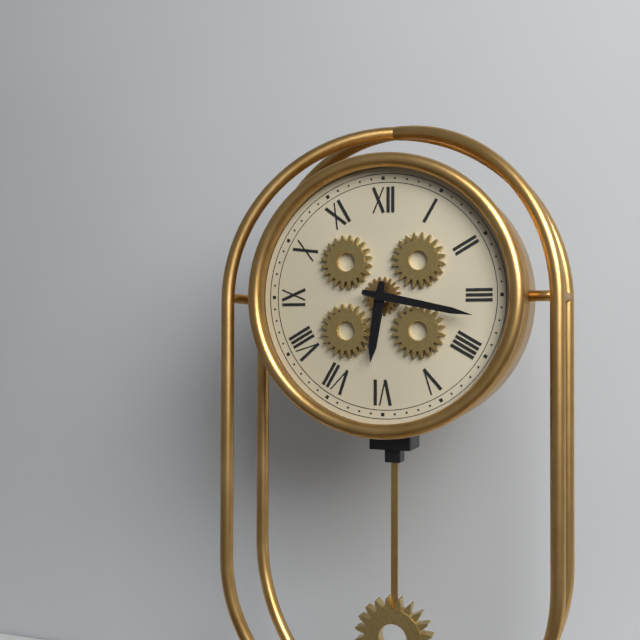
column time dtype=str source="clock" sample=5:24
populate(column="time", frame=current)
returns 6:17
